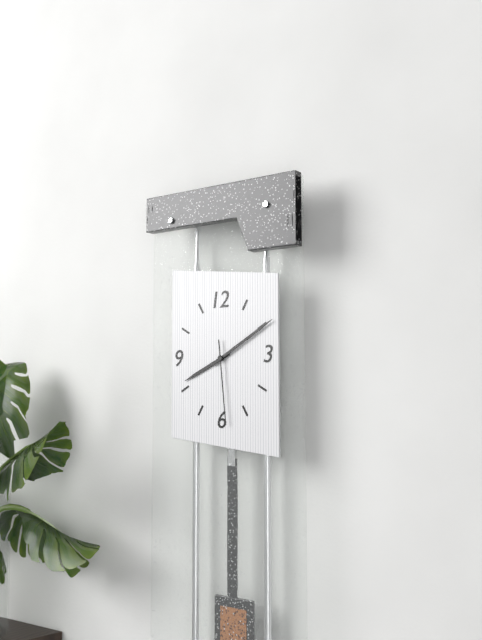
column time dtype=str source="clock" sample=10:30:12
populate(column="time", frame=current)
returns 8:10:29
